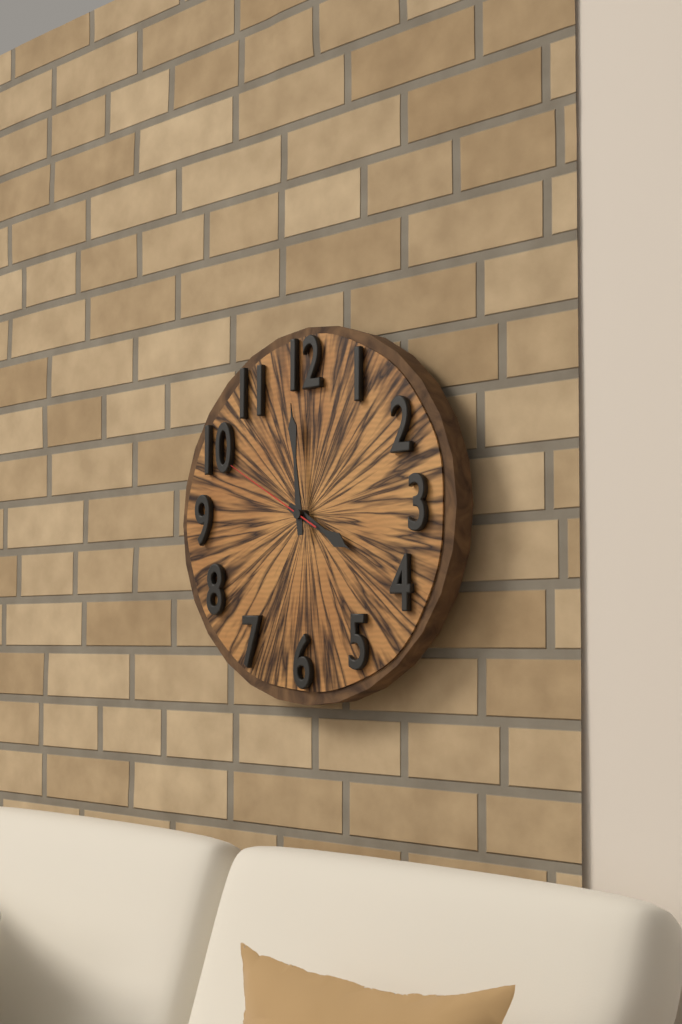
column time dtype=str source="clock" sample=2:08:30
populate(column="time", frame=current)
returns 3:59:50
